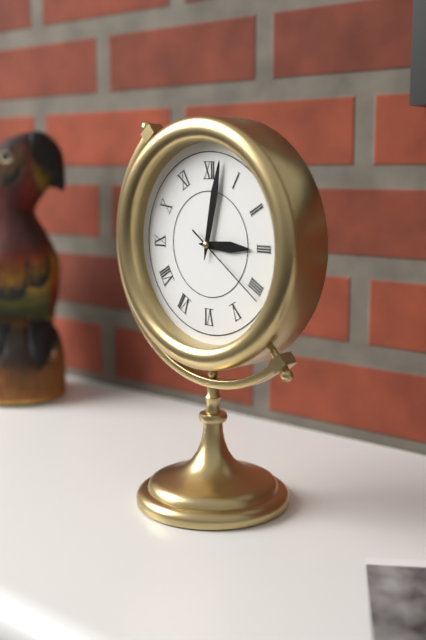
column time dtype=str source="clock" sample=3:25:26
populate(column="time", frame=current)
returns 3:02:21
